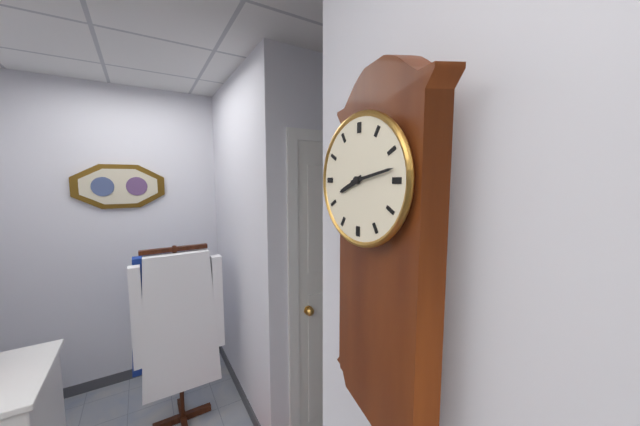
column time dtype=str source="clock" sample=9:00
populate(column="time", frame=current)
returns 8:13
